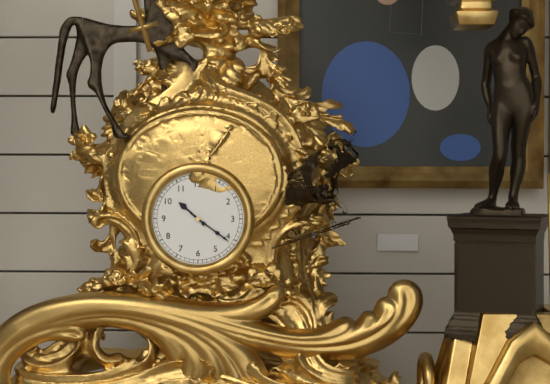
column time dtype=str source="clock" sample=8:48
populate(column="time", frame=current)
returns 10:21
